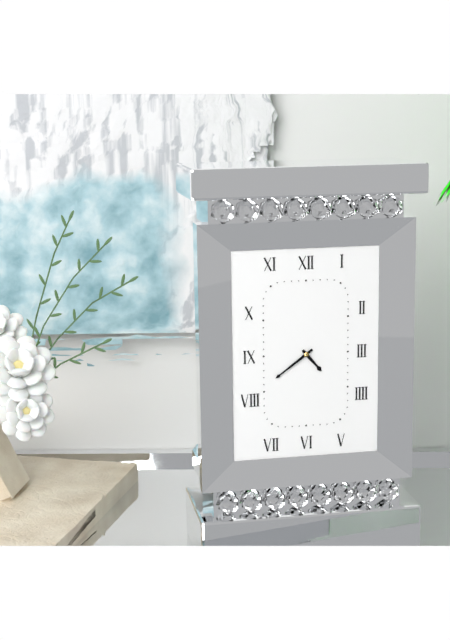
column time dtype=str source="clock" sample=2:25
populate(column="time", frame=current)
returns 4:39
